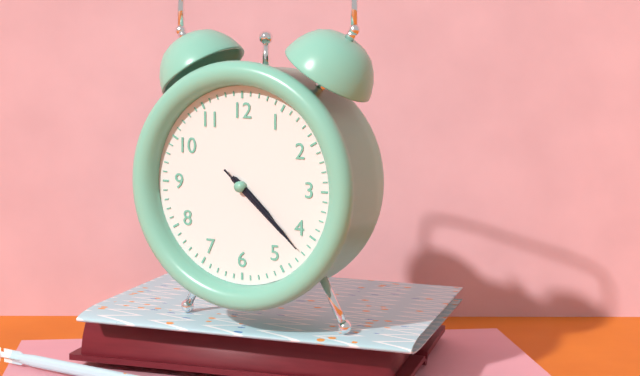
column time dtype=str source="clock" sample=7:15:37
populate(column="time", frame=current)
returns 4:22:22
